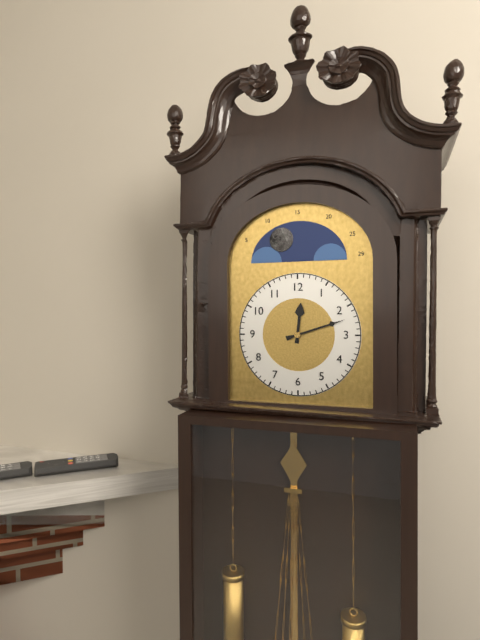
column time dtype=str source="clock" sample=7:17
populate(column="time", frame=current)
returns 12:12
